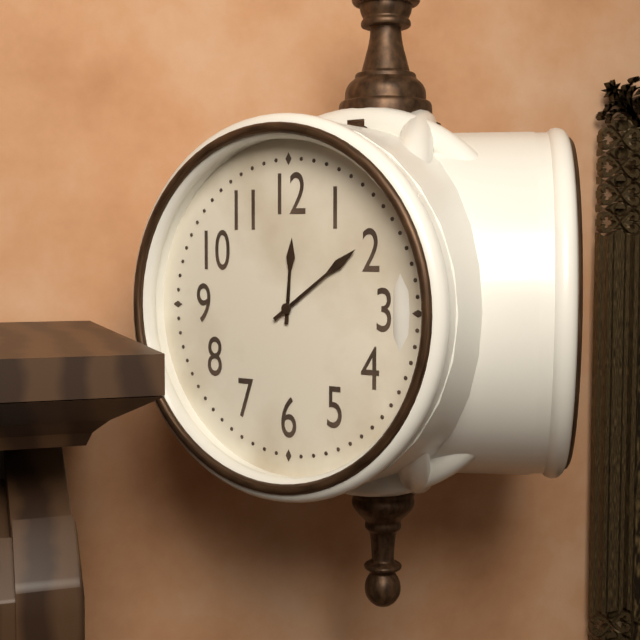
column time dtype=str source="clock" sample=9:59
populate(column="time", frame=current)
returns 12:09
